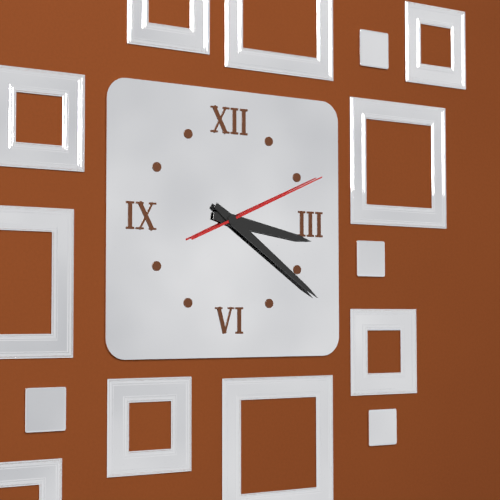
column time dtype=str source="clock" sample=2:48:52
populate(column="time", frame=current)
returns 3:21:11
